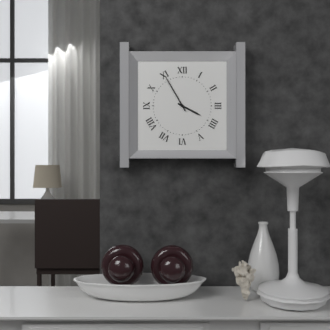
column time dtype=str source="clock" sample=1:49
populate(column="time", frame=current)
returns 3:55
